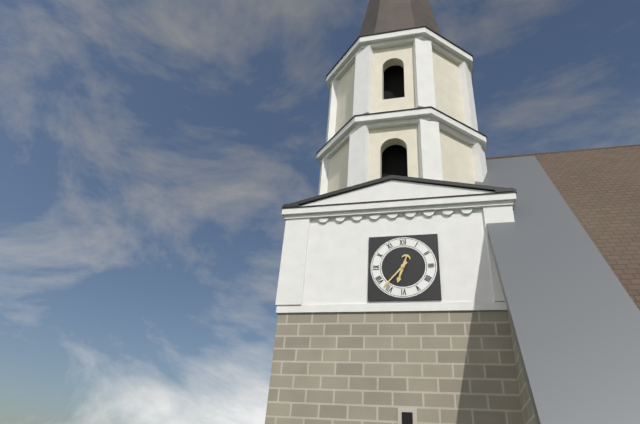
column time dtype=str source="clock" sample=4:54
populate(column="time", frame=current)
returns 6:37
